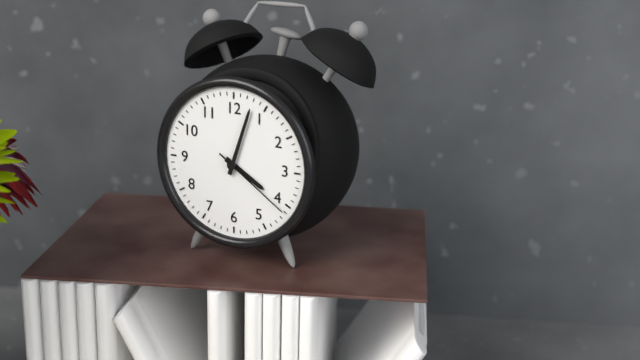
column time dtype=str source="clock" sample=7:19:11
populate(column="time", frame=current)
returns 4:03:21
